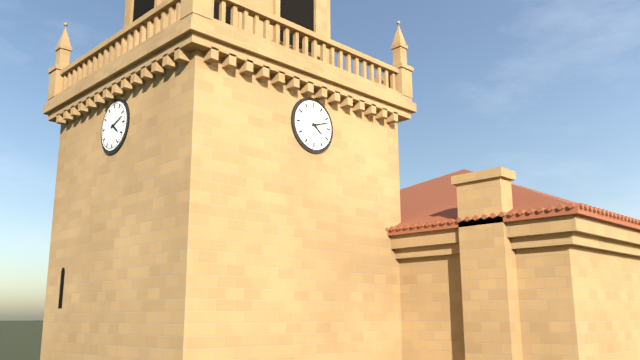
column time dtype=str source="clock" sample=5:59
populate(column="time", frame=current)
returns 4:12
